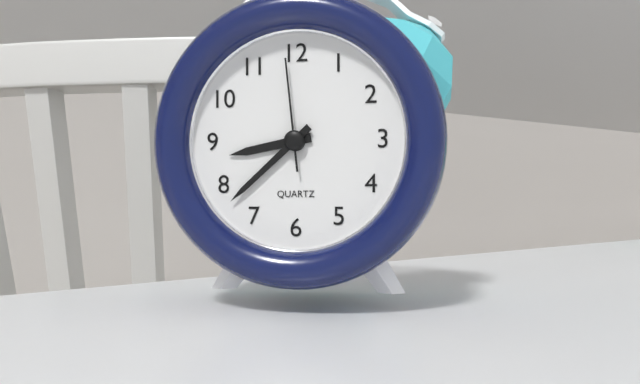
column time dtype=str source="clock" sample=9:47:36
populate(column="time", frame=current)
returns 8:38:59
